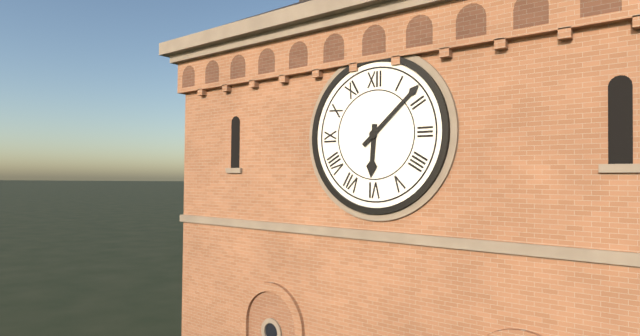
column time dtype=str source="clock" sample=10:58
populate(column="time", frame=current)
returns 6:08
